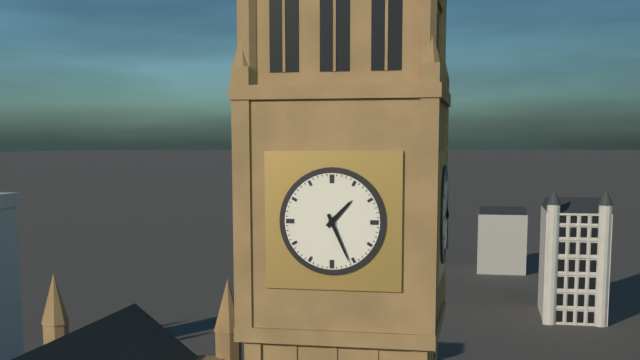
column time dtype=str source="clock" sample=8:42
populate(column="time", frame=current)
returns 1:26
